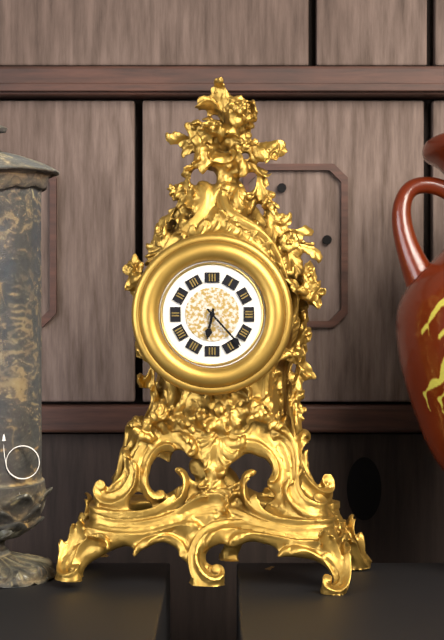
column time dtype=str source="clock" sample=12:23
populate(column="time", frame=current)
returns 6:23
